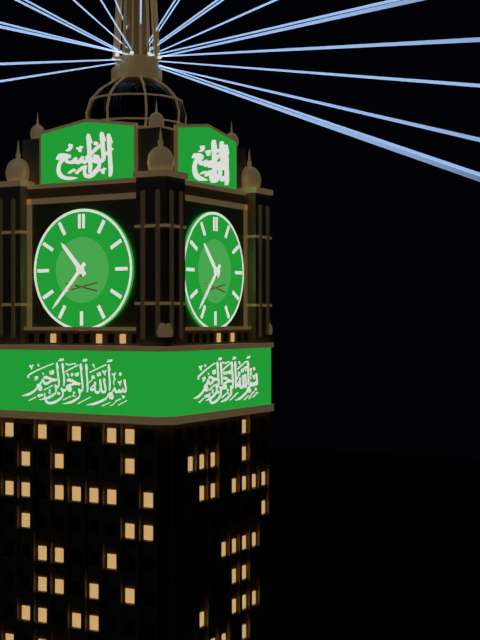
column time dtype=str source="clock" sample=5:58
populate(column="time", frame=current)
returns 10:37
